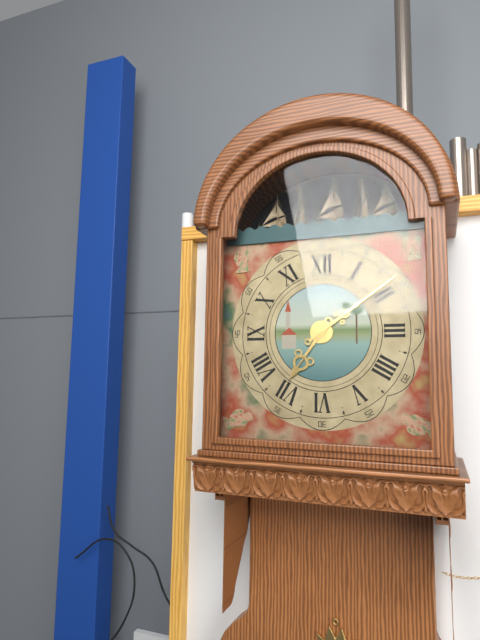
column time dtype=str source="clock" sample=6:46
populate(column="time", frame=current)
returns 7:09
